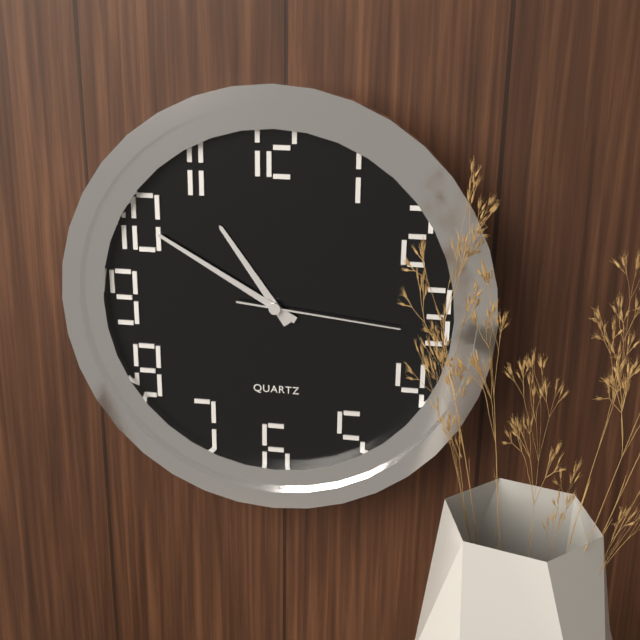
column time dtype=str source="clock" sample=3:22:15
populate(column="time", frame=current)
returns 10:50:16
